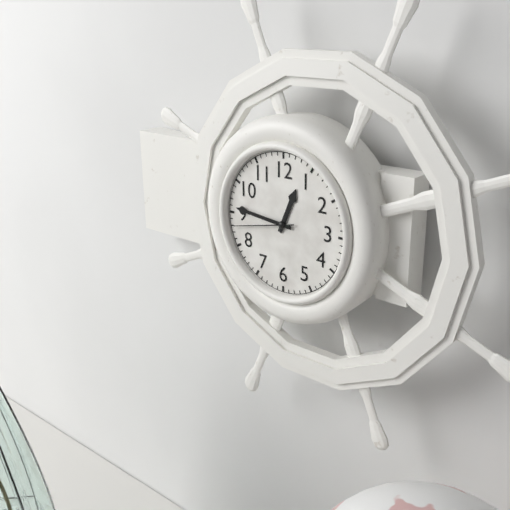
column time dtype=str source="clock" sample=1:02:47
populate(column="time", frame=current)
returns 12:46:43
